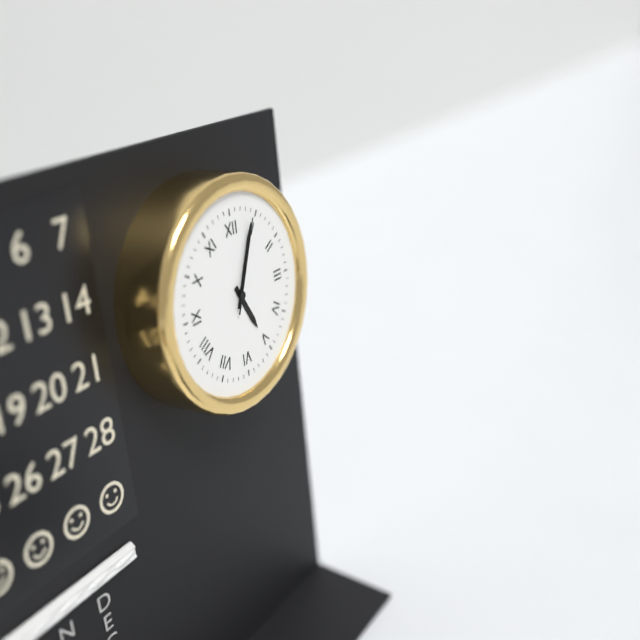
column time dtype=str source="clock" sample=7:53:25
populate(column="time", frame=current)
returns 5:04:04
